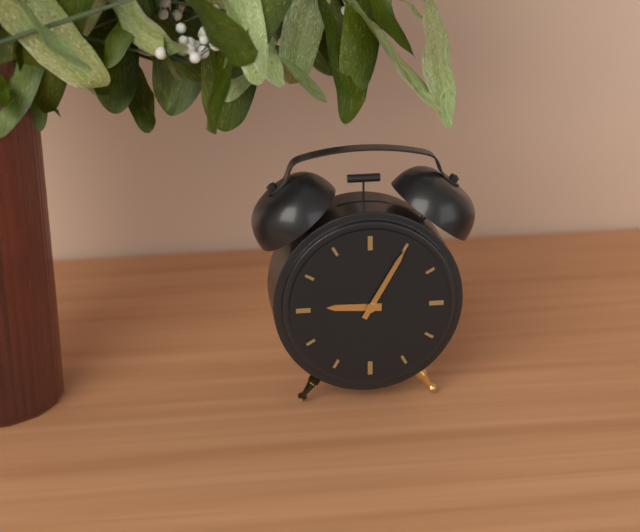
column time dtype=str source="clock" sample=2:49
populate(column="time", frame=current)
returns 9:05
